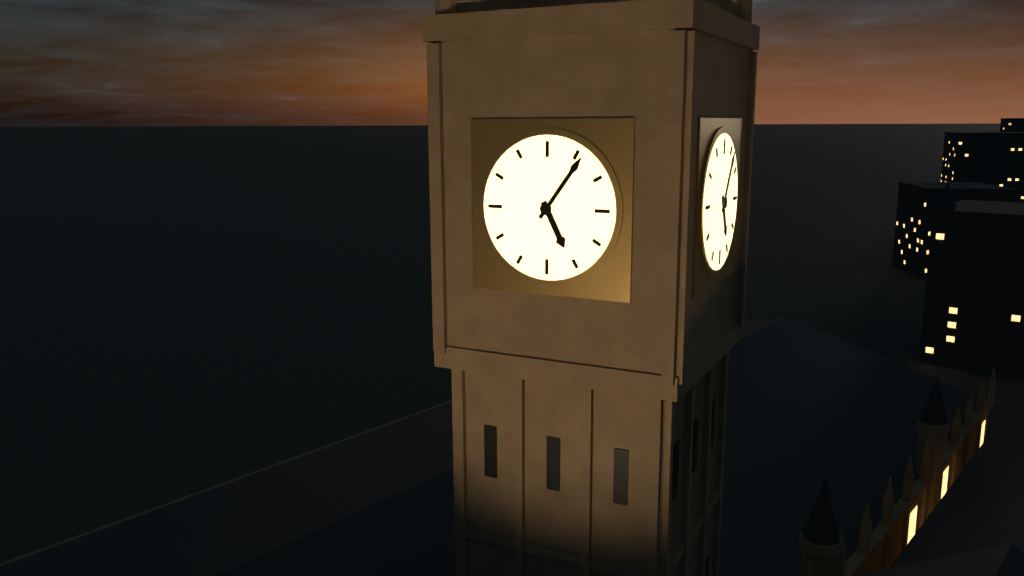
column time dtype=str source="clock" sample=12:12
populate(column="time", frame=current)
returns 5:06
